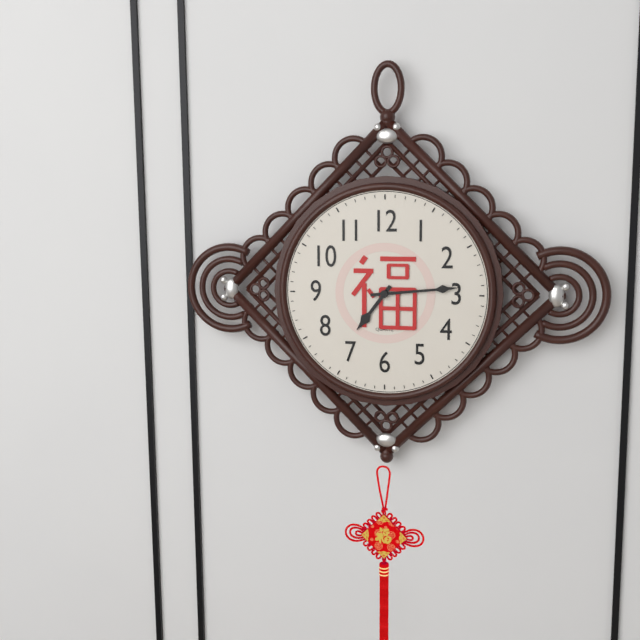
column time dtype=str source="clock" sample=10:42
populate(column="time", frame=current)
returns 7:14
